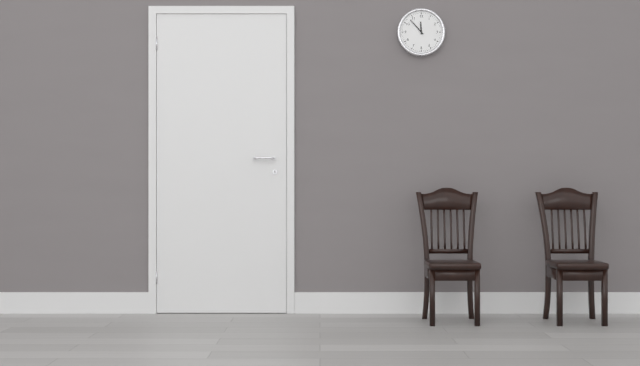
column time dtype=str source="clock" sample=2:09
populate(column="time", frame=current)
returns 11:53
